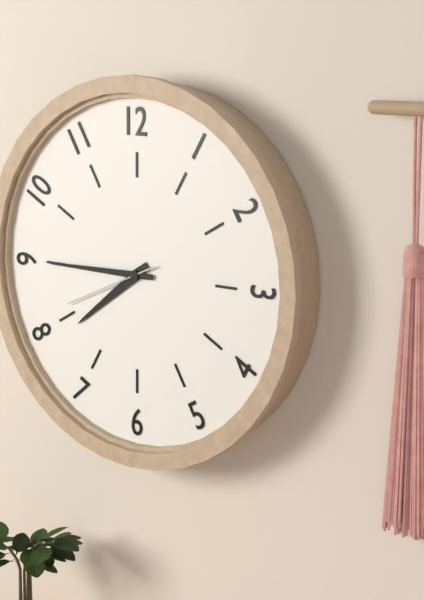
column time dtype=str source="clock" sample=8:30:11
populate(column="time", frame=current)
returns 7:45:41
